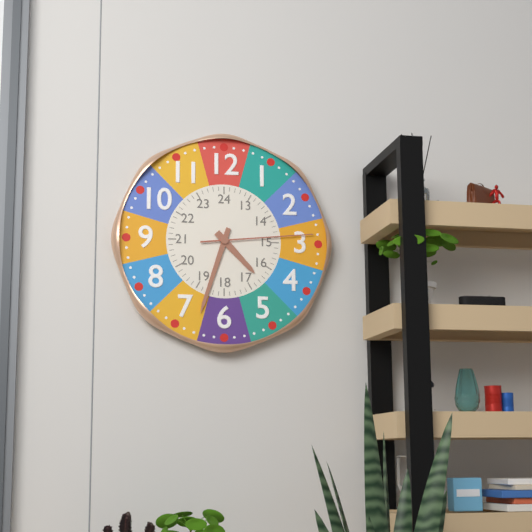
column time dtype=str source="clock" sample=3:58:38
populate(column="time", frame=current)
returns 4:33:14
